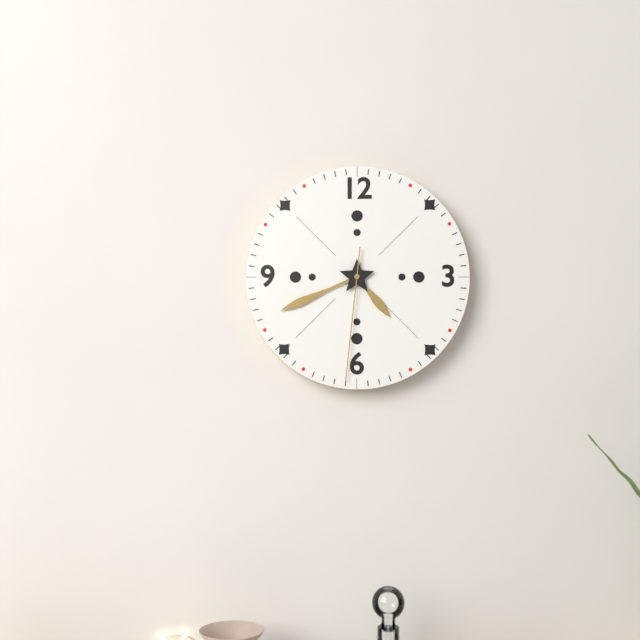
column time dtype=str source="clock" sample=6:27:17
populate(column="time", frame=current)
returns 4:41:31
